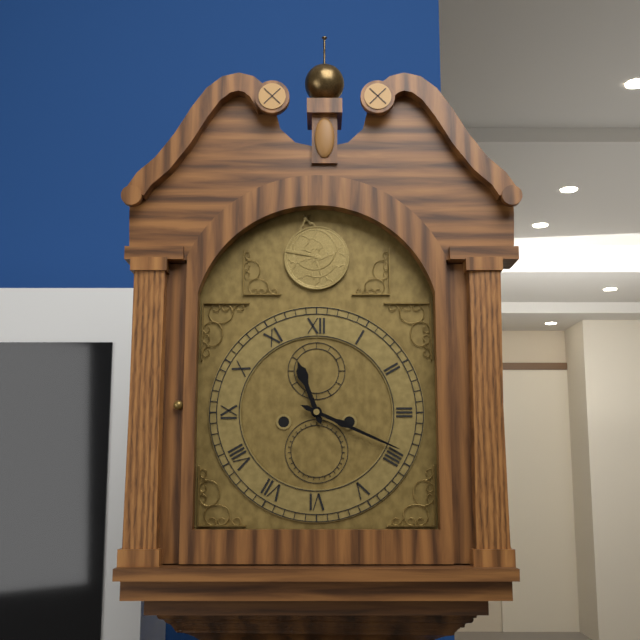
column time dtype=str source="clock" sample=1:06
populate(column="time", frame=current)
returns 11:19
